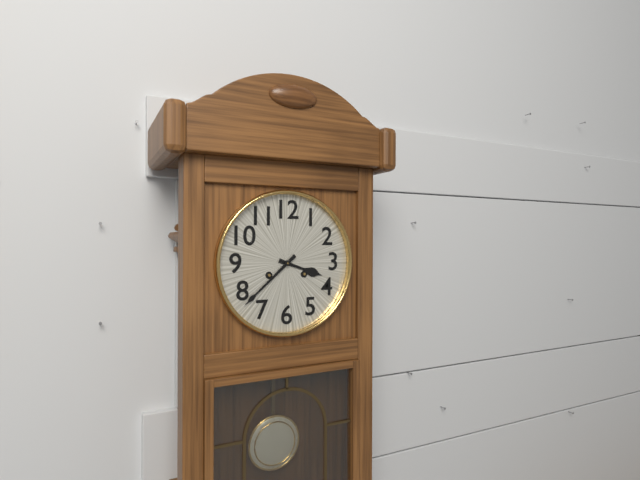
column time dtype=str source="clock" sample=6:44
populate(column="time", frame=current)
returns 3:38
